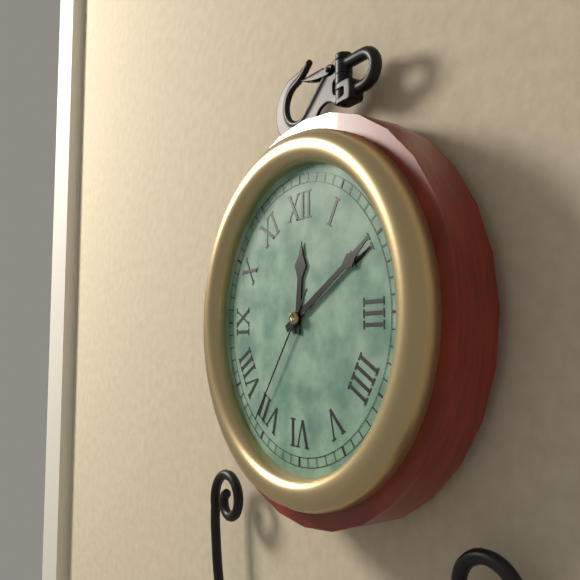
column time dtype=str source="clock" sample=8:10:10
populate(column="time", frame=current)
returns 12:10:36
